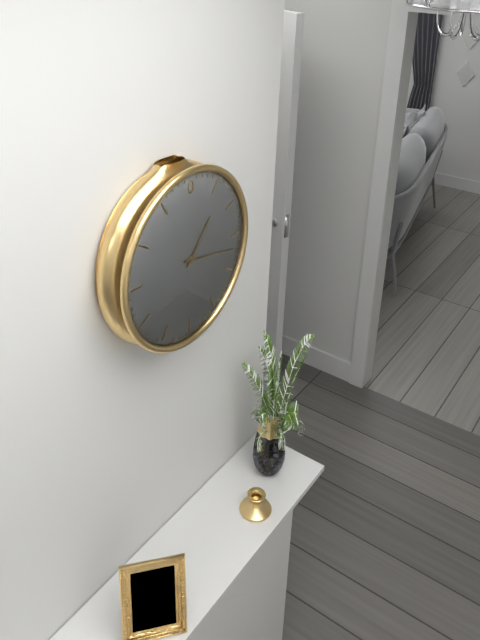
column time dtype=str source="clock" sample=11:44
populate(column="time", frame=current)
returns 1:17
